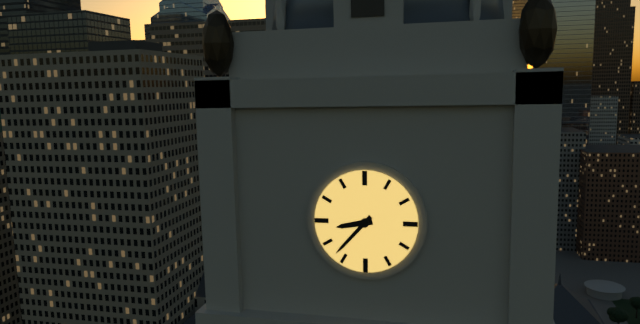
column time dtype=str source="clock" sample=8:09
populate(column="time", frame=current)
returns 8:37
